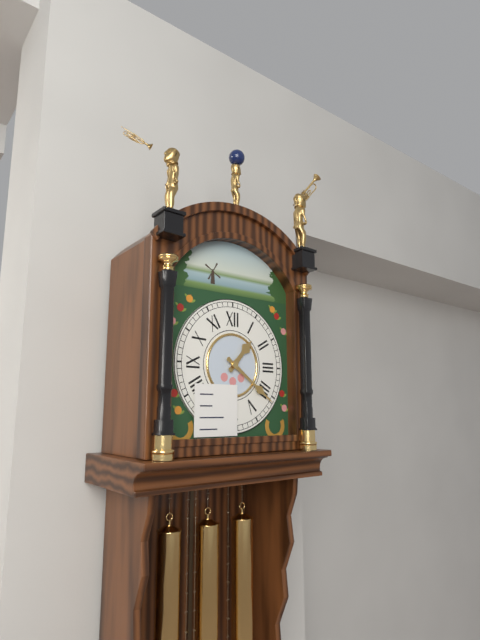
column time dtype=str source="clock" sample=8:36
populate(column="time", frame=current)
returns 1:21
